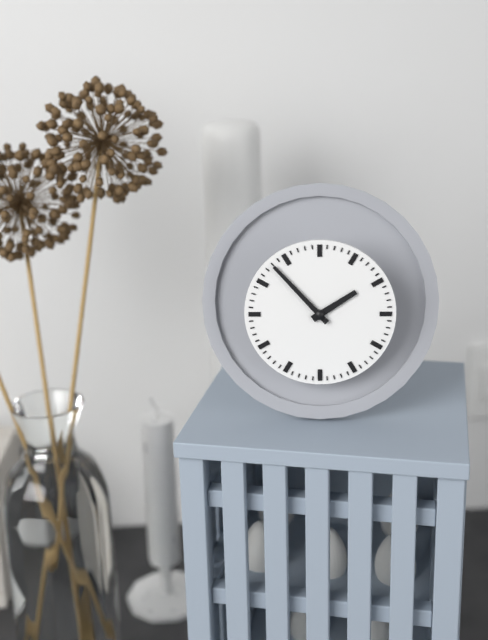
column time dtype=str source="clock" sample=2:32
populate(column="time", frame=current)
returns 1:53
